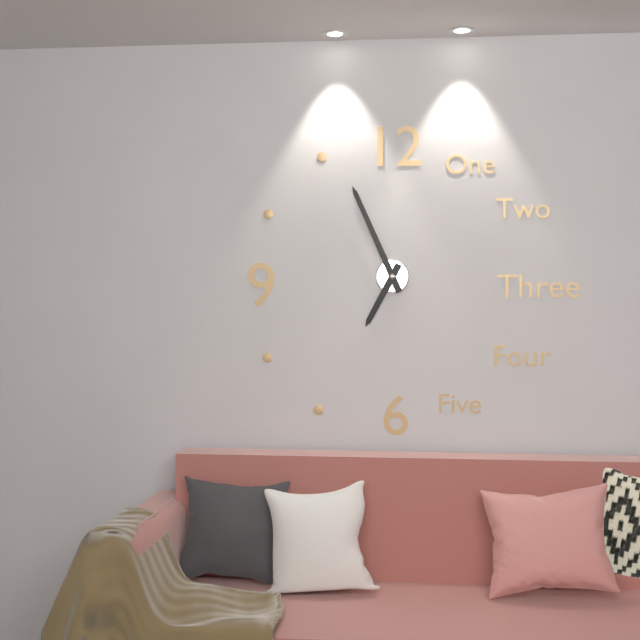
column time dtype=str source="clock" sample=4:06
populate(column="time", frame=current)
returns 6:56
